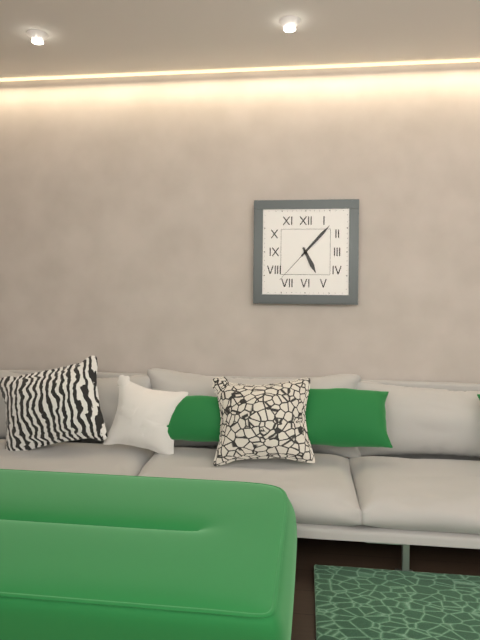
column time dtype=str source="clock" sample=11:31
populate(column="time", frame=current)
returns 5:07
